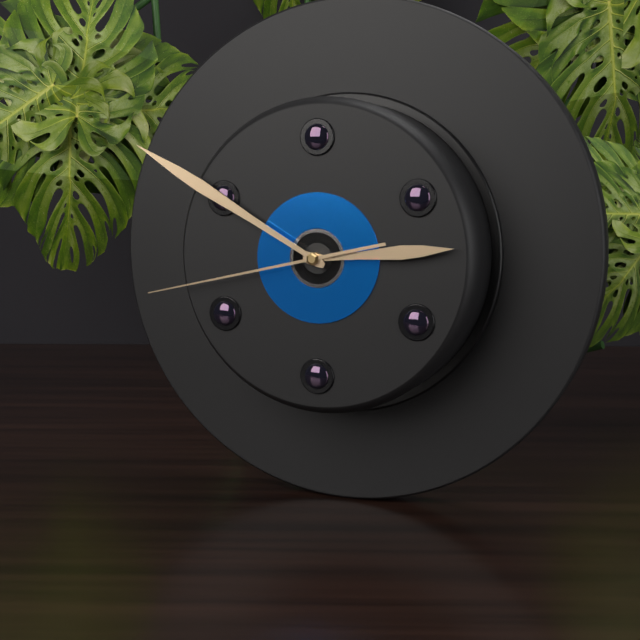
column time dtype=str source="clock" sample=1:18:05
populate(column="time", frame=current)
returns 2:50:43
